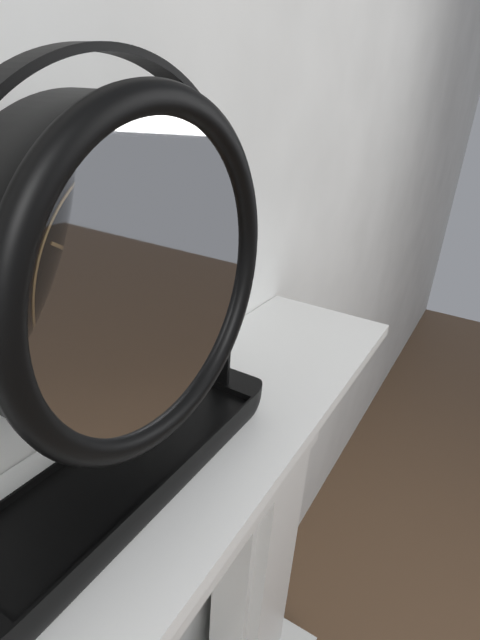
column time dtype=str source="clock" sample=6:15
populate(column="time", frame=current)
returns 12:47
